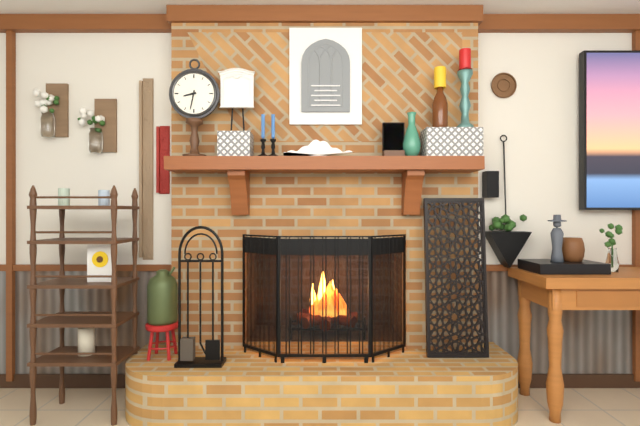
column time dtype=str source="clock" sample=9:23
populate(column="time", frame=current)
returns 8:32
